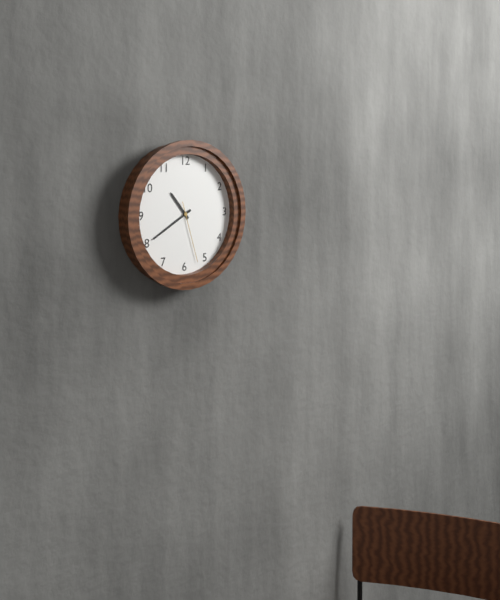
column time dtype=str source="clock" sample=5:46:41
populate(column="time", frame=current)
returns 10:40:27
